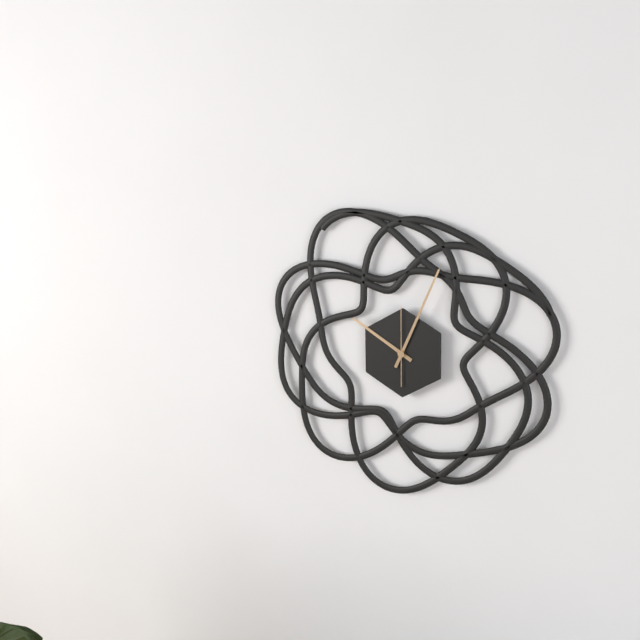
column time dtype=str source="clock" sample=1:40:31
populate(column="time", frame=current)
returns 10:04:00
